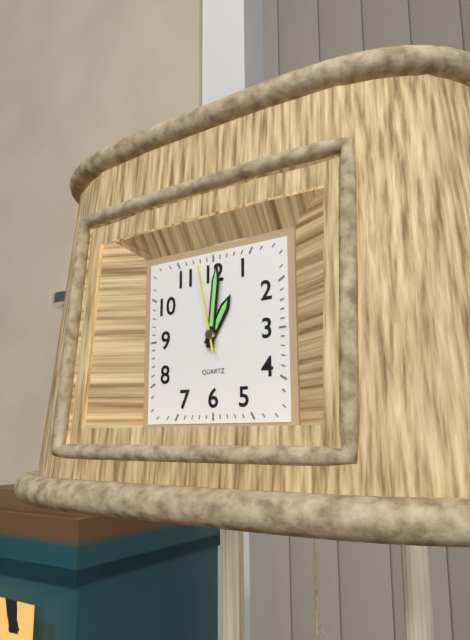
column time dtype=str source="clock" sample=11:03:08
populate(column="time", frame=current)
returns 1:01:58
